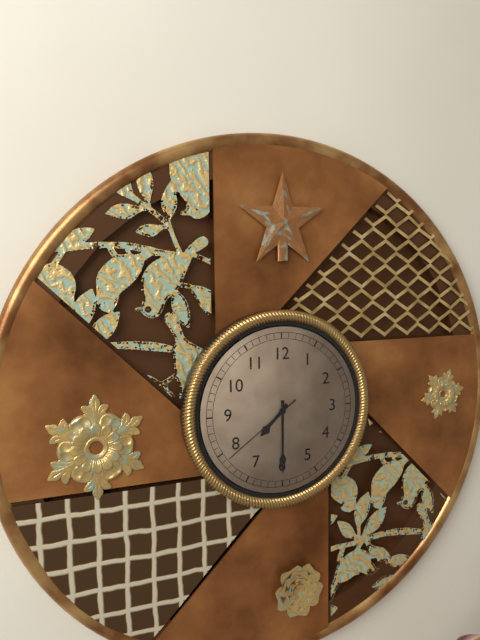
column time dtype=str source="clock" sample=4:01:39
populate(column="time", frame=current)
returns 7:30:39
